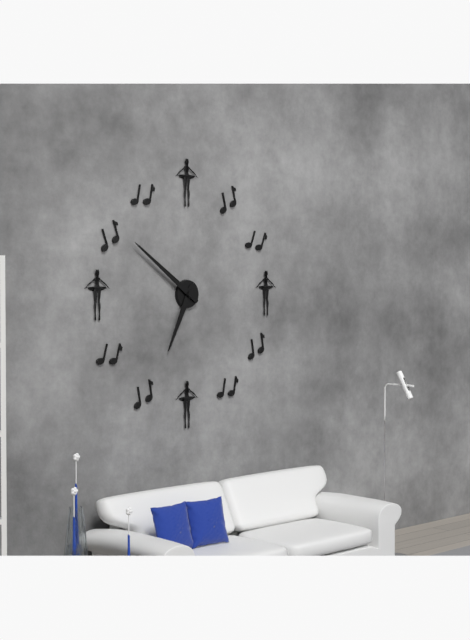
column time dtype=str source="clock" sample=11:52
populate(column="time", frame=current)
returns 6:51
